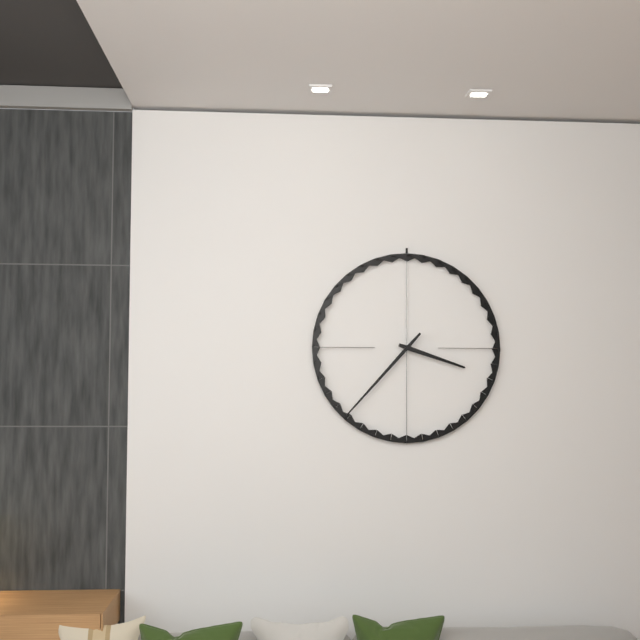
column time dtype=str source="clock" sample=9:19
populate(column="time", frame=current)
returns 3:37
